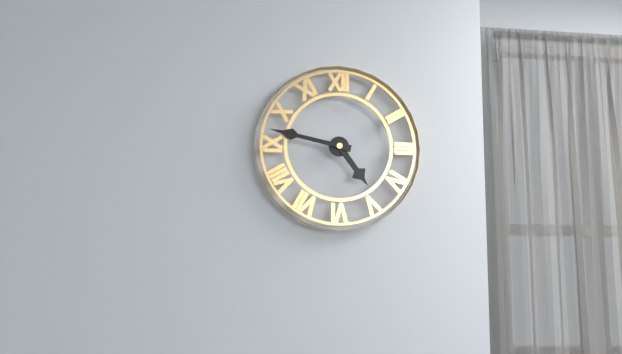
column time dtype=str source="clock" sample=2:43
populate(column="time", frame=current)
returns 4:47
